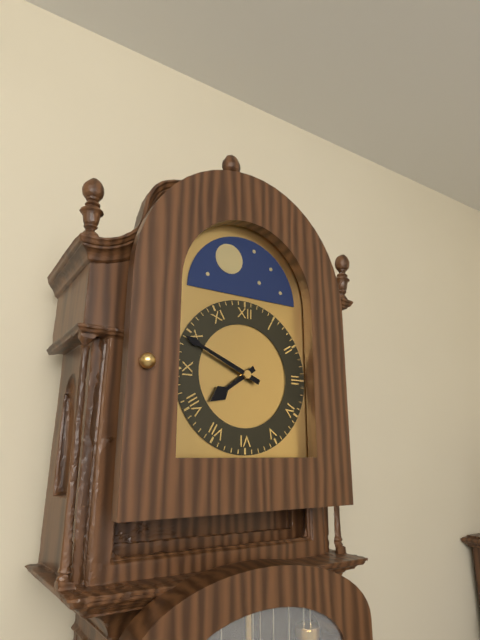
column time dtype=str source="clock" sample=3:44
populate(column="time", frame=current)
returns 7:49
